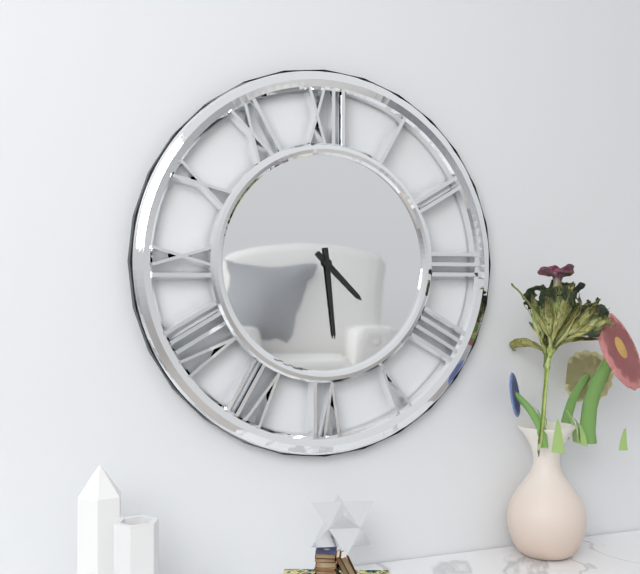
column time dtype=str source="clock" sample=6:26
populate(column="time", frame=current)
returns 4:29
